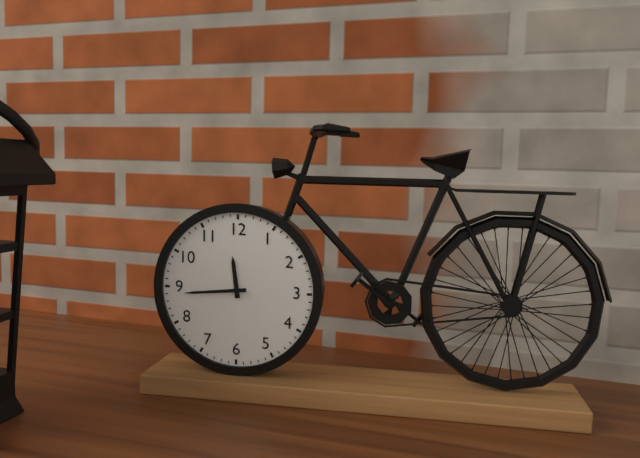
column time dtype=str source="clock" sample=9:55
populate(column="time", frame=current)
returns 11:44
